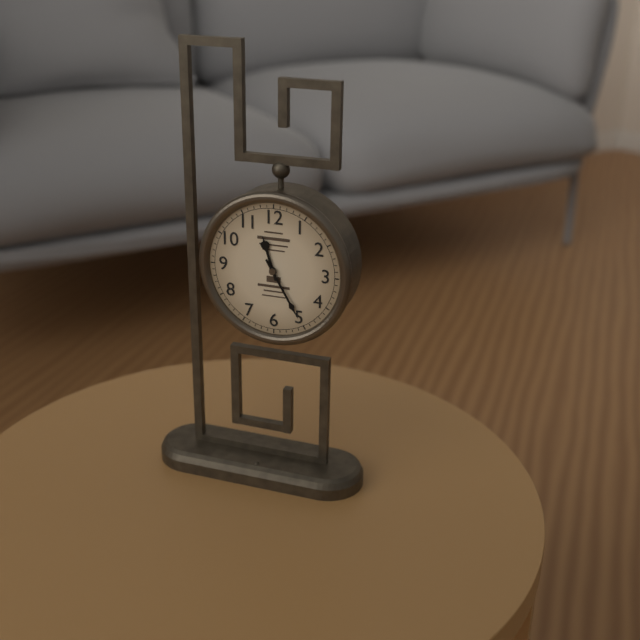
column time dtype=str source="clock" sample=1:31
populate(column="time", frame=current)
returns 11:25
